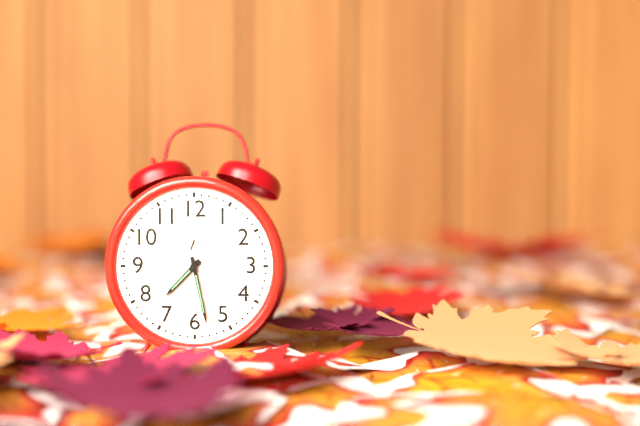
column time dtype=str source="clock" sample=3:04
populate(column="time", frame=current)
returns 7:28
